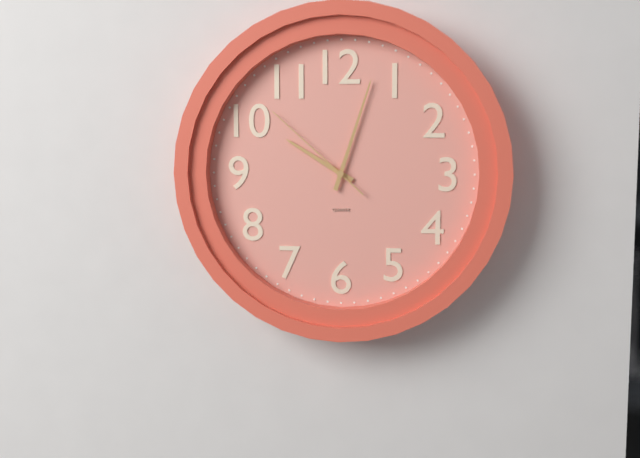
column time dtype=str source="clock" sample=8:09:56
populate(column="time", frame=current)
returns 10:03:52
